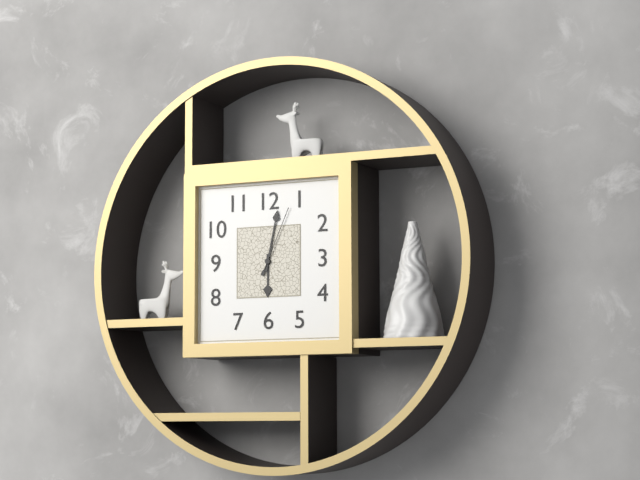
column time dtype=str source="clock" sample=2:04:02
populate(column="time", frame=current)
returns 6:02:04
